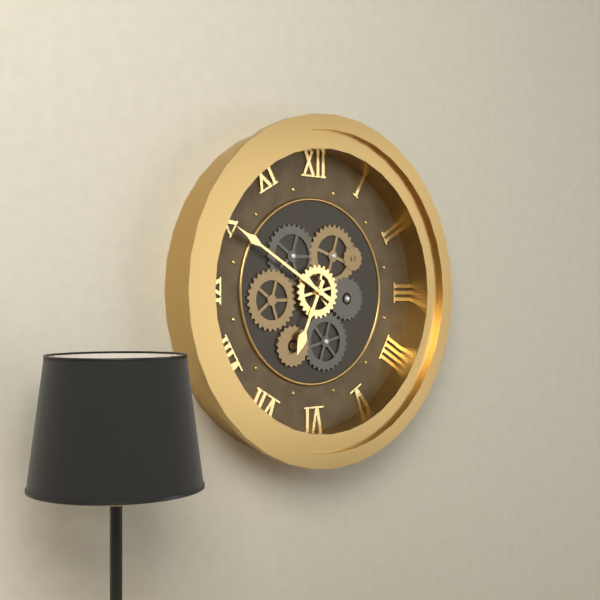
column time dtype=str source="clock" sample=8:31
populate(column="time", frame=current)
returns 6:50
